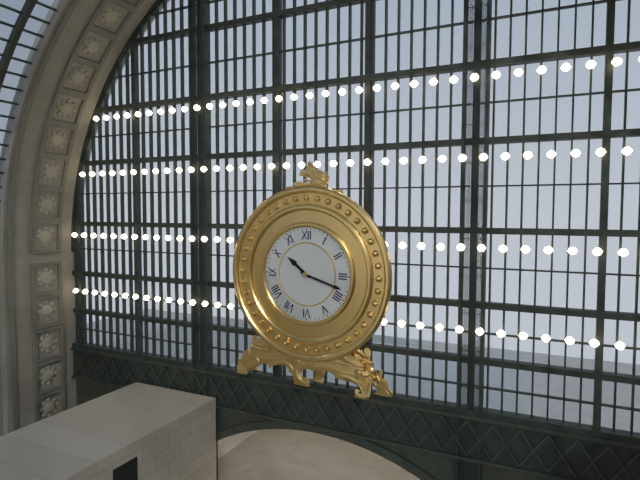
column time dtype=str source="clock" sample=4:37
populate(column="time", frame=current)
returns 10:18
